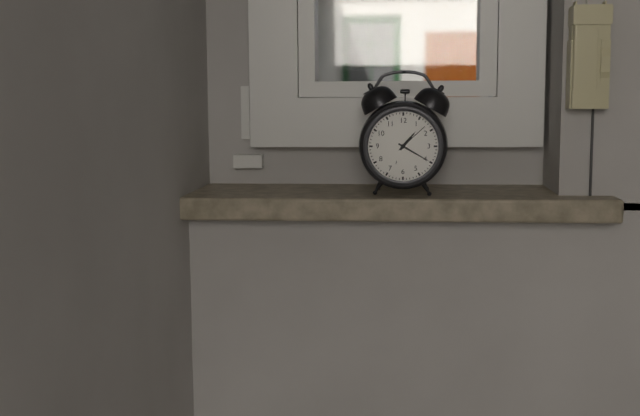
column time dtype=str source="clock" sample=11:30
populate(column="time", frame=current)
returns 1:20
